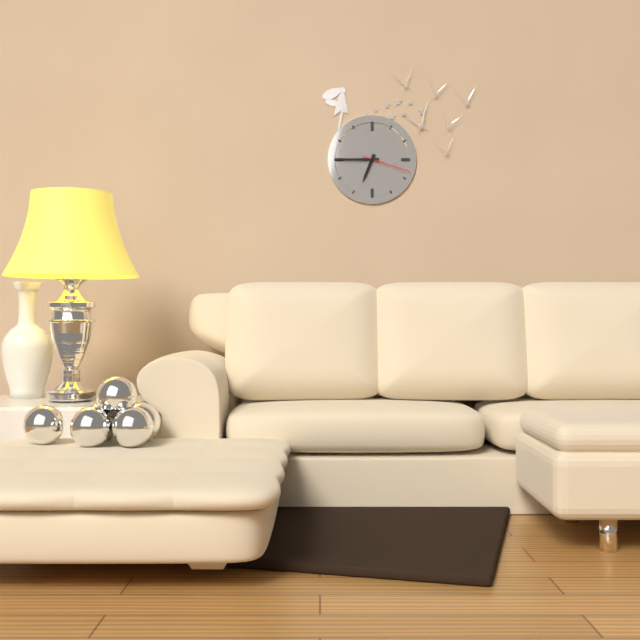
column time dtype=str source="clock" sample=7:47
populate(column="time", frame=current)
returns 6:45
